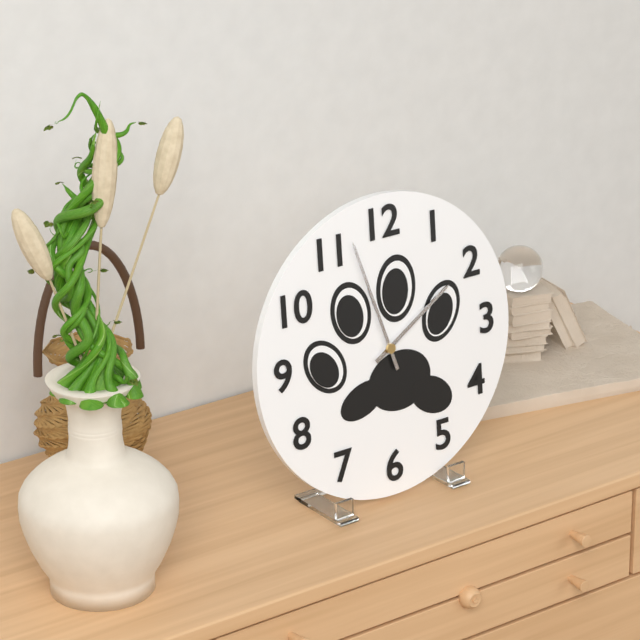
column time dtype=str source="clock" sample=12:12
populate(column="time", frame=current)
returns 1:57
